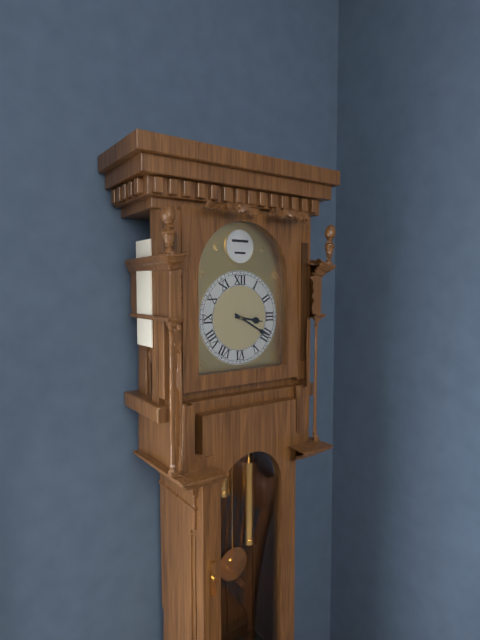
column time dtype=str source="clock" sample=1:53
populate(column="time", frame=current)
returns 3:20
